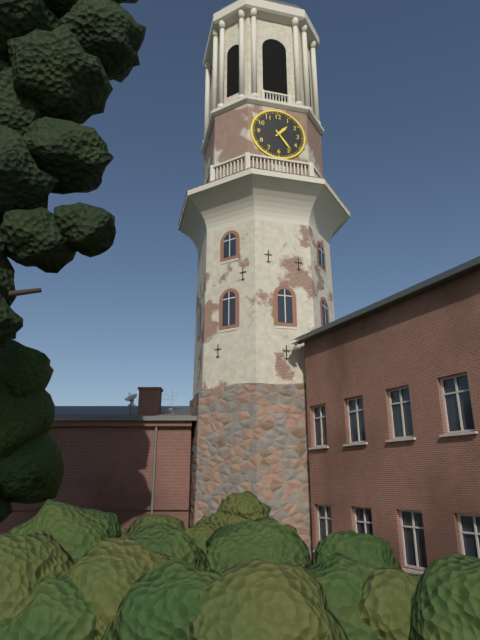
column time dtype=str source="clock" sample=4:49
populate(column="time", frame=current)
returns 1:24
